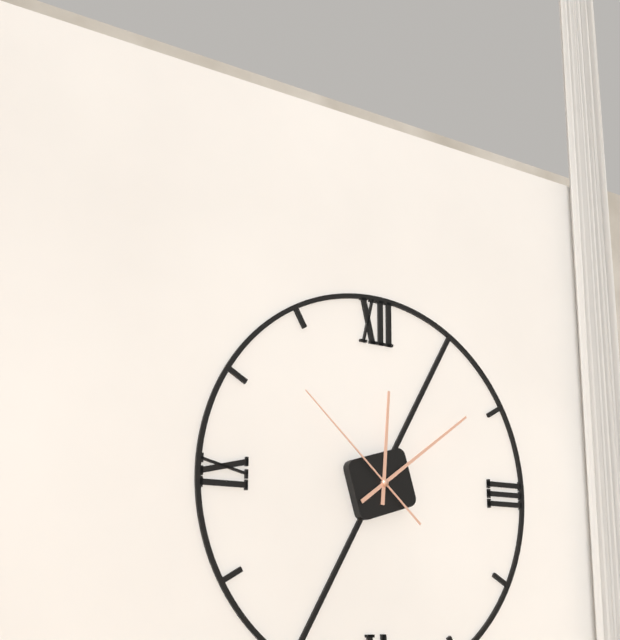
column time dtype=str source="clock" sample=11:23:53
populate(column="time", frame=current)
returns 12:09:52
